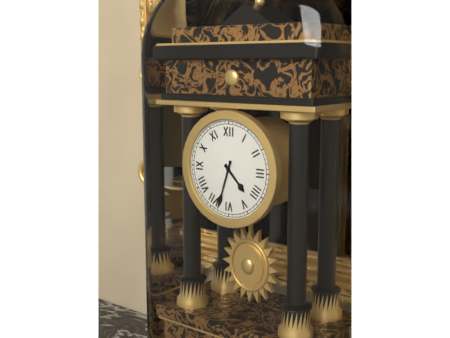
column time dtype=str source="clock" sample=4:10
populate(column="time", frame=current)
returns 4:33
